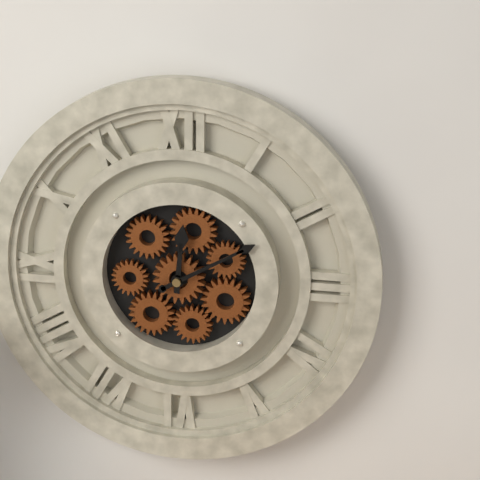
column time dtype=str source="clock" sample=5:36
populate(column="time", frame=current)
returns 12:10
